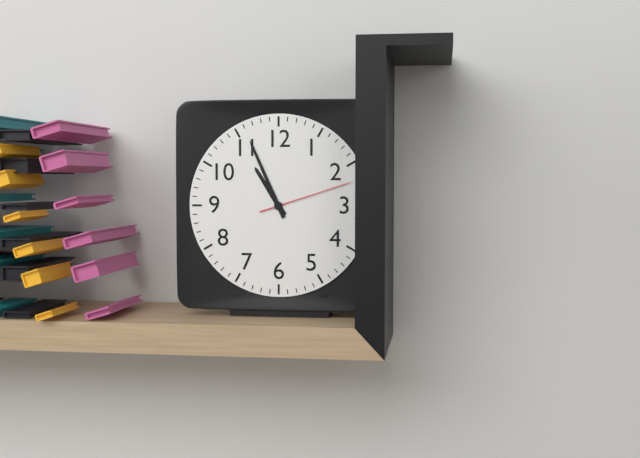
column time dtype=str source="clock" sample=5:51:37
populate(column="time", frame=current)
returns 10:56:12
